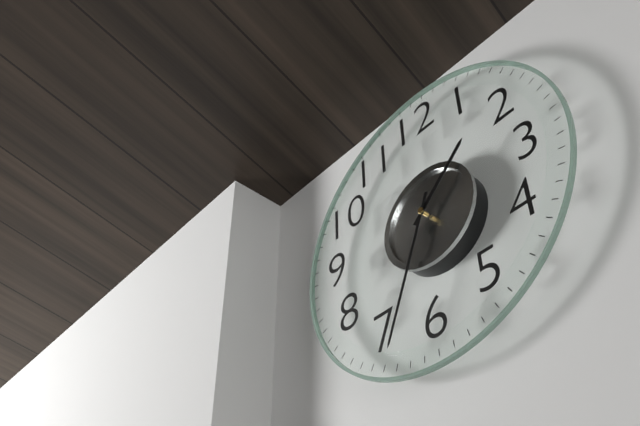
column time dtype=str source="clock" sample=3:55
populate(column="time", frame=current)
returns 1:34
